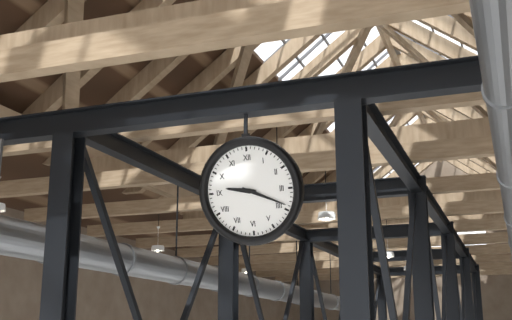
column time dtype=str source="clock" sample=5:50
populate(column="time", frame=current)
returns 9:19
